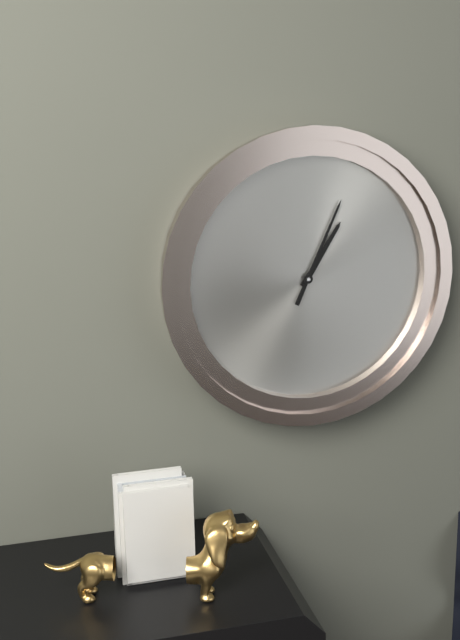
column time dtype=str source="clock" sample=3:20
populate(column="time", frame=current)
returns 1:04
